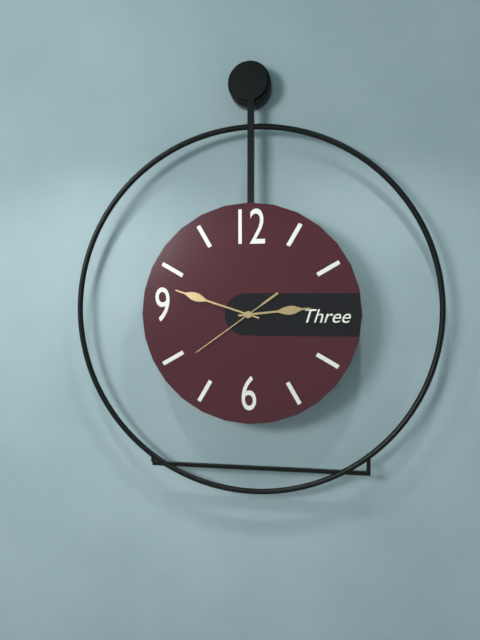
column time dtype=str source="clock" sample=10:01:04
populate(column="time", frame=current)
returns 2:48:39
